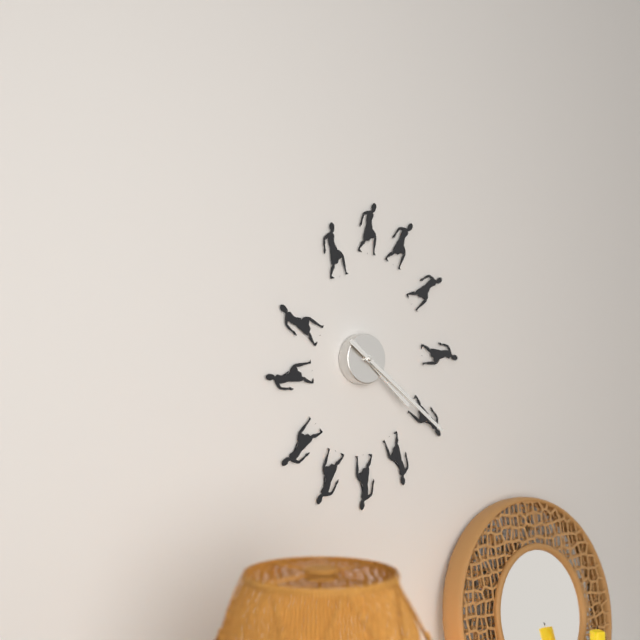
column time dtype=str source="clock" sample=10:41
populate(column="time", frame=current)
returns 4:21
